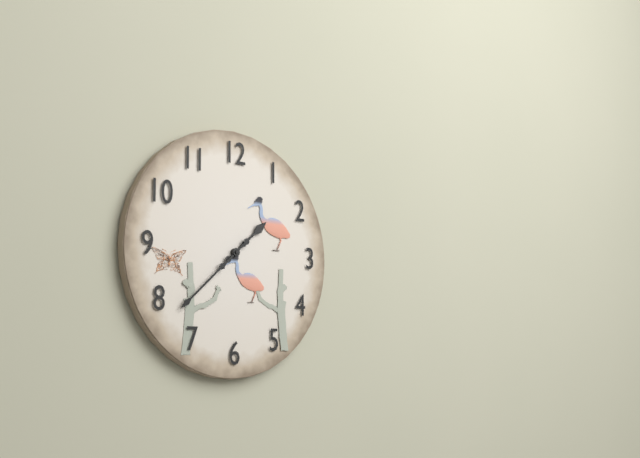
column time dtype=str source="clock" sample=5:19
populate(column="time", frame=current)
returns 1:38
